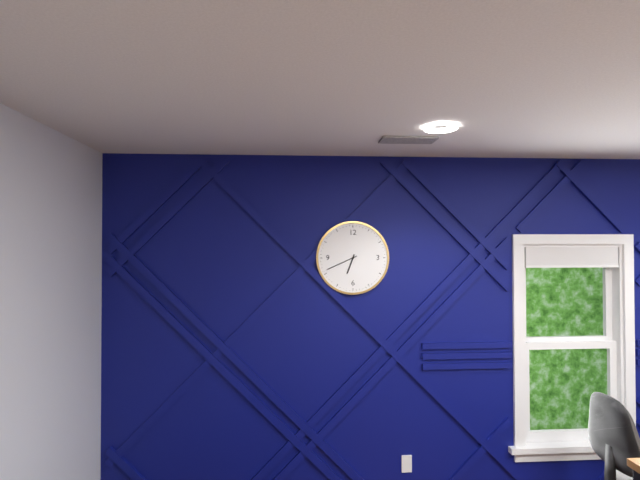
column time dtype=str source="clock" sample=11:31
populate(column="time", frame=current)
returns 6:41
